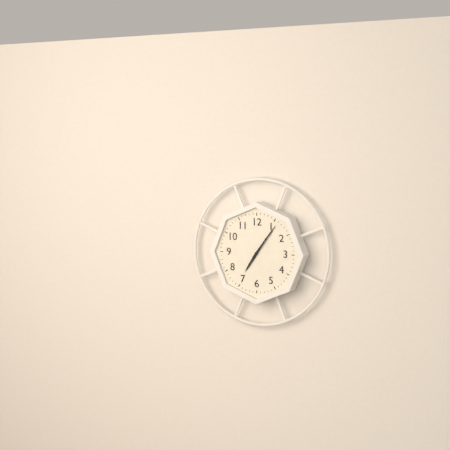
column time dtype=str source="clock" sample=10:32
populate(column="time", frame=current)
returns 7:06
